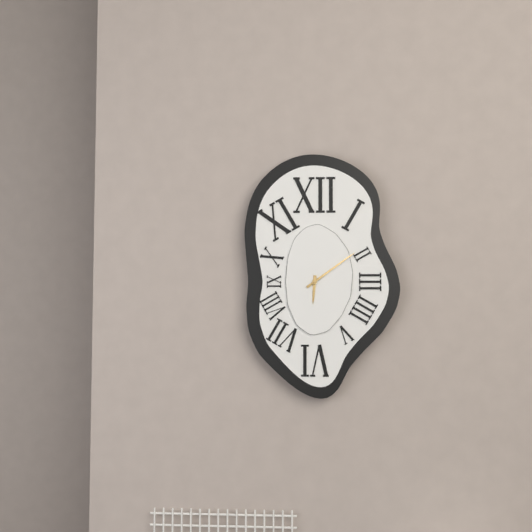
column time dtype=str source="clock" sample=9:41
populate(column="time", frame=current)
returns 6:09
